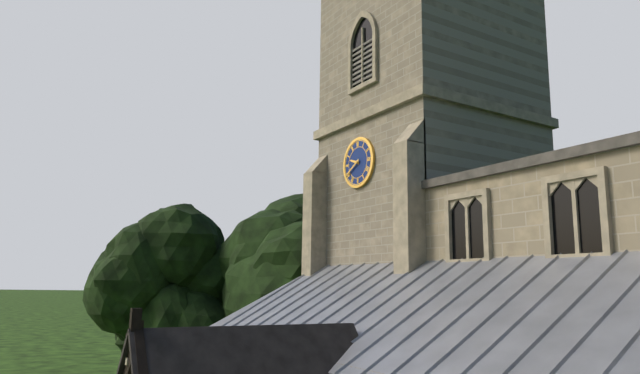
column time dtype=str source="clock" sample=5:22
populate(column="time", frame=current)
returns 9:40
